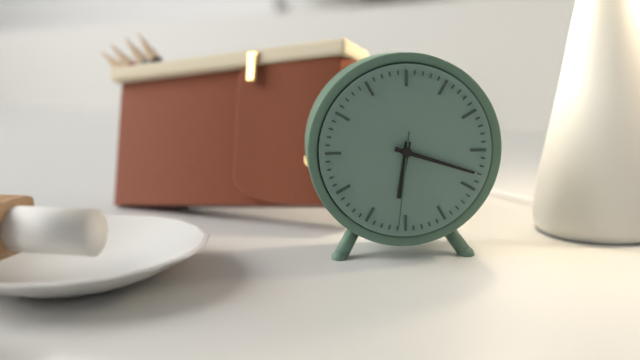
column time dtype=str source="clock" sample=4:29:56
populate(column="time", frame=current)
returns 6:18:31
